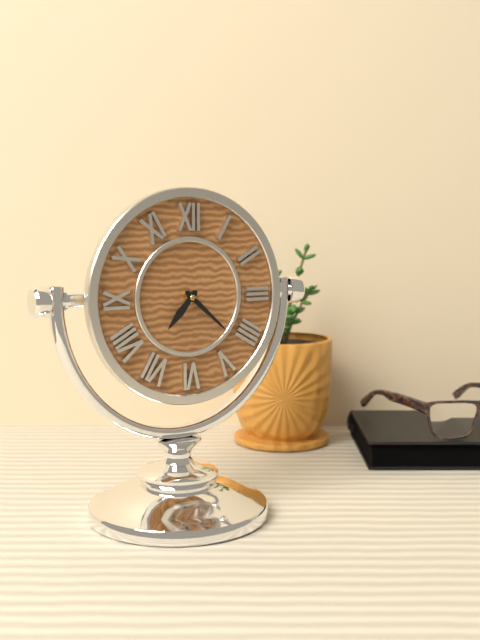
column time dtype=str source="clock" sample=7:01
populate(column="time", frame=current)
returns 7:22
